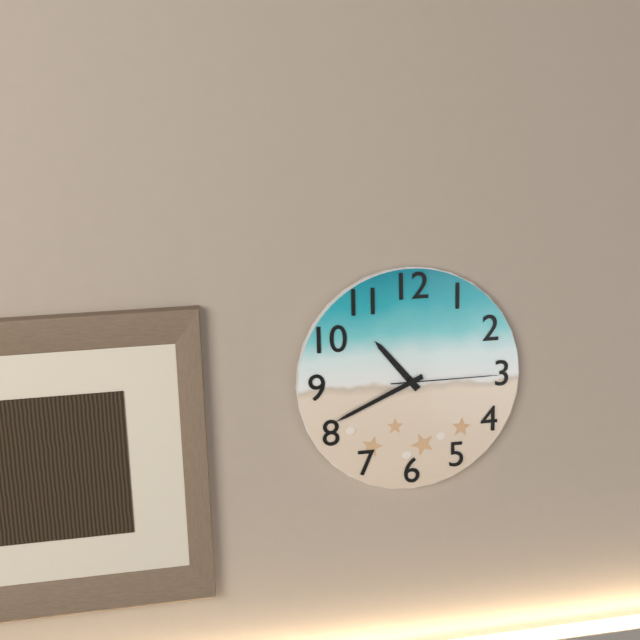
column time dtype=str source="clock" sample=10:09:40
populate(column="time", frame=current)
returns 10:41:15
